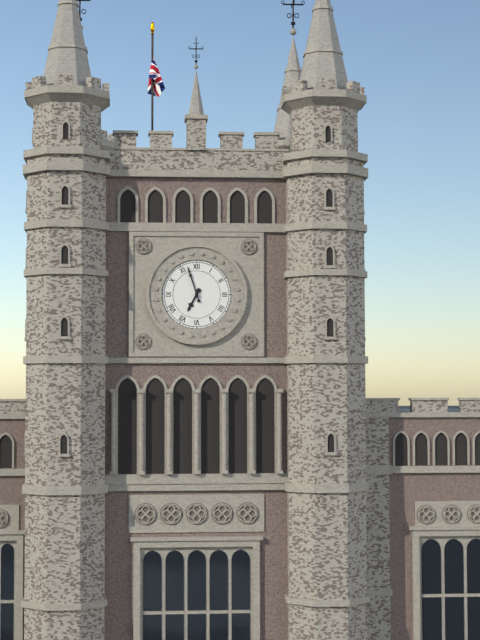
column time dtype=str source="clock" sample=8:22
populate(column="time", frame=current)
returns 6:57
